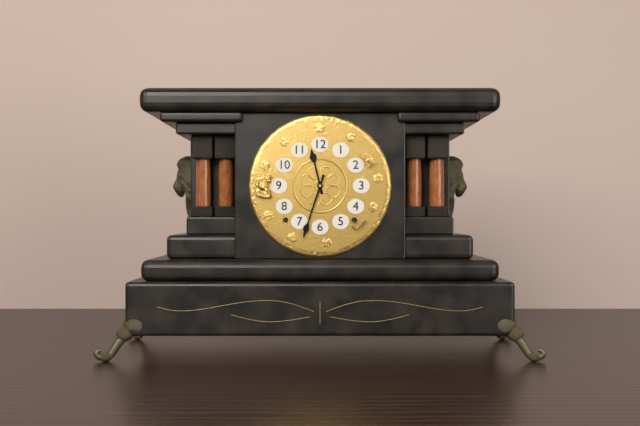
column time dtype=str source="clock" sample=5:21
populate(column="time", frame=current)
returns 11:33
